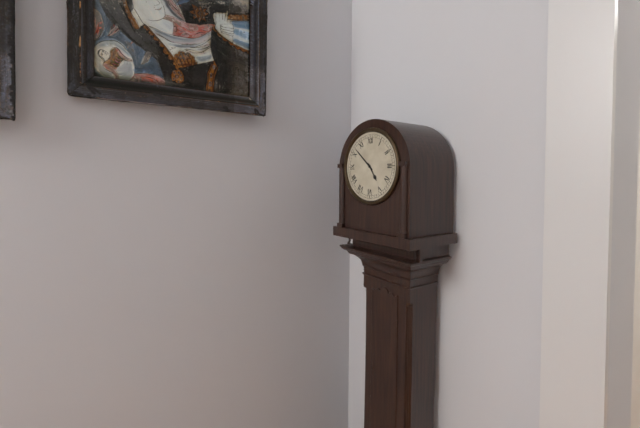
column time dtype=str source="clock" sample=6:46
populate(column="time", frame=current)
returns 4:52
